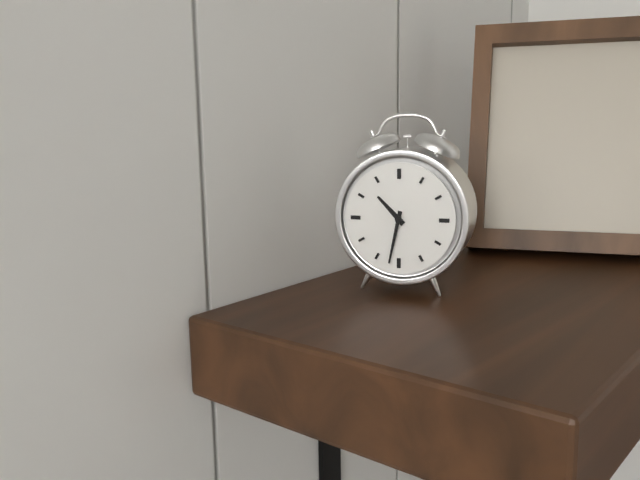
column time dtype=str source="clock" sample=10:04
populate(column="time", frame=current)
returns 10:32
